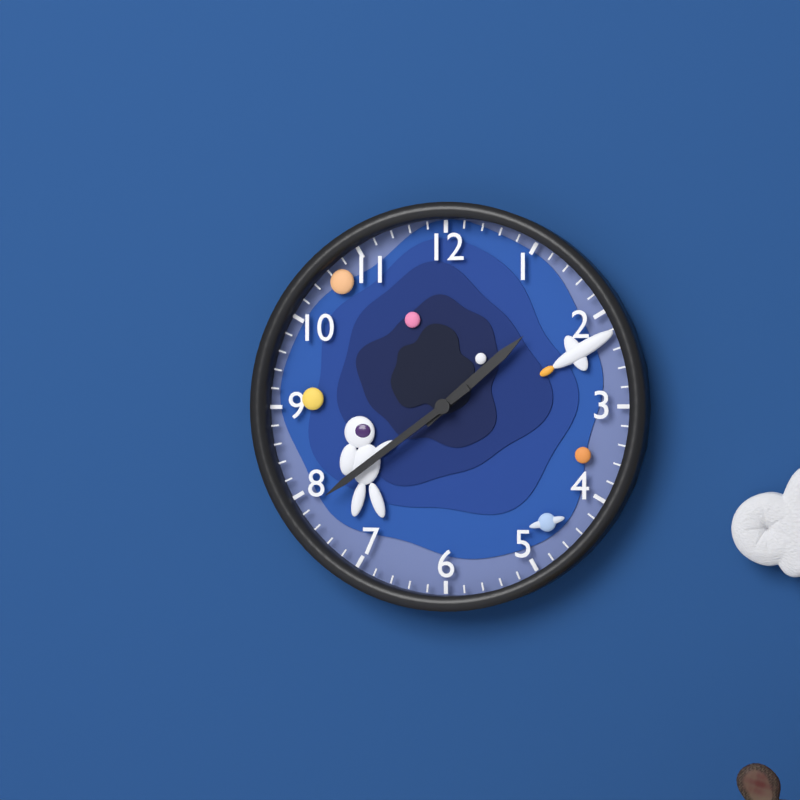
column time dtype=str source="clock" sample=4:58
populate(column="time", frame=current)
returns 1:39
